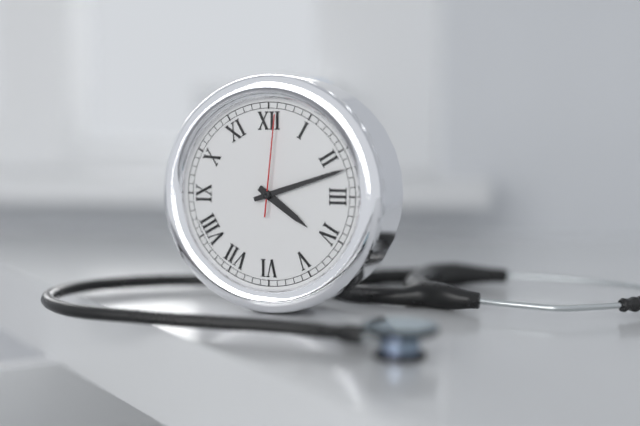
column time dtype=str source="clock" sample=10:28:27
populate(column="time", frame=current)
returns 4:12:01
